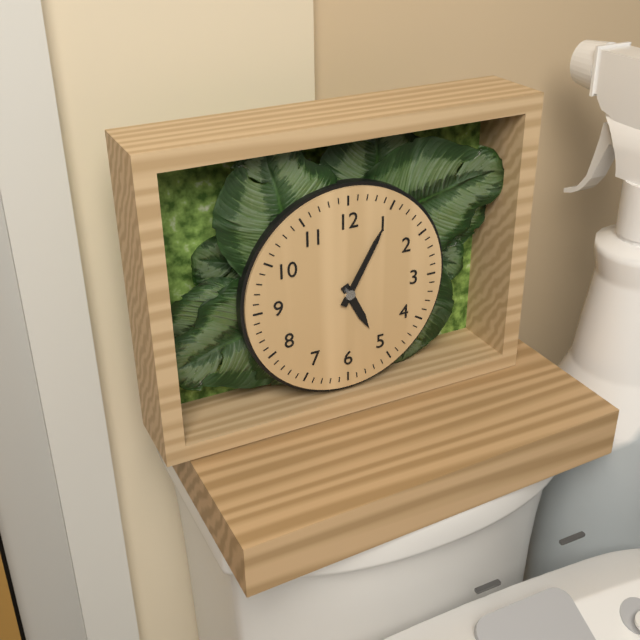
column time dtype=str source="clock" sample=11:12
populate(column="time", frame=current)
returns 5:05
